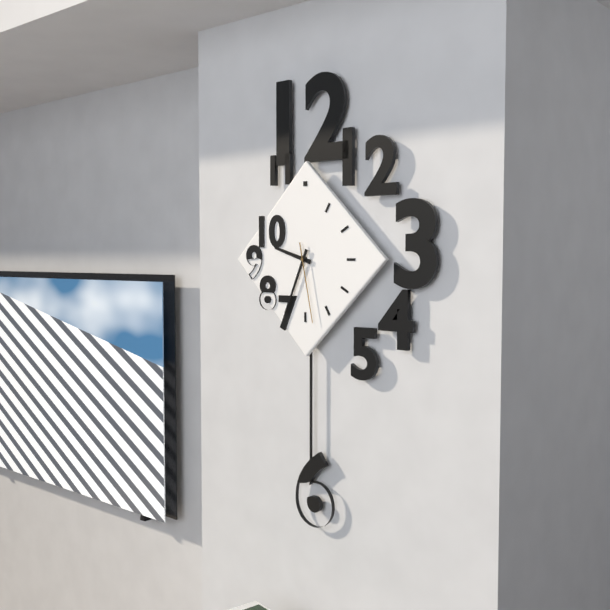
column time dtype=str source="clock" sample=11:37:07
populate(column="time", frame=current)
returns 9:34:28
